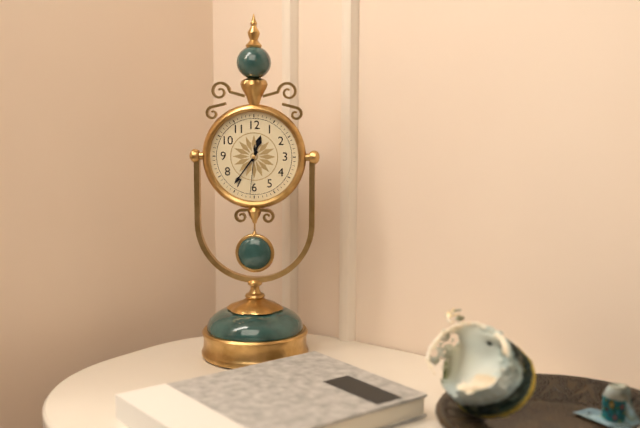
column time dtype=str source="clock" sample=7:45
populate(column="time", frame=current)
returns 12:36
